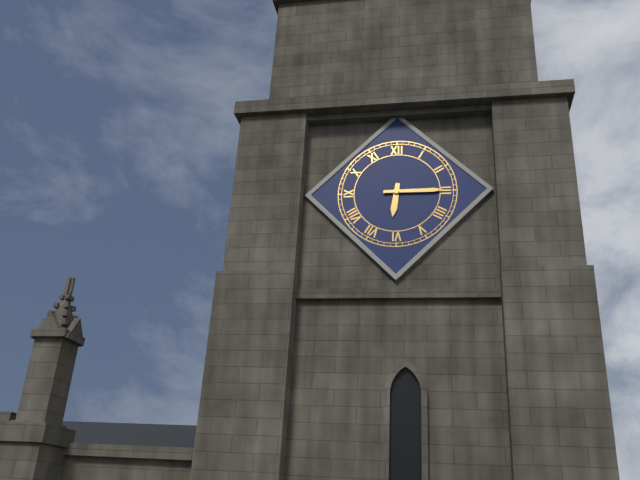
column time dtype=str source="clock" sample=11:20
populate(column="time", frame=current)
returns 6:15
